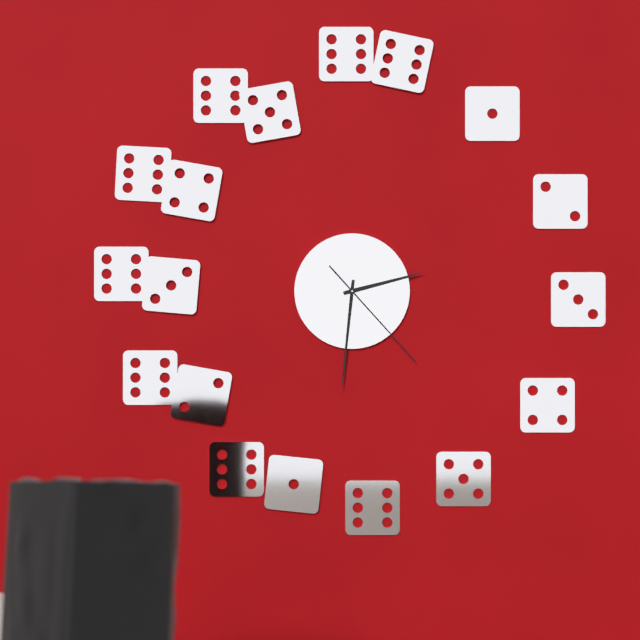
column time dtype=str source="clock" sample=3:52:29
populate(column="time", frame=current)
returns 2:31:23
